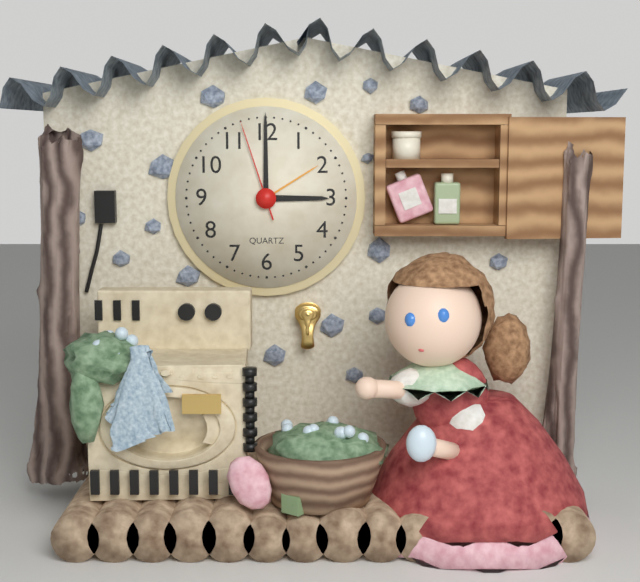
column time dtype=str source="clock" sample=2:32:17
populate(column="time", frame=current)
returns 3:00:57
